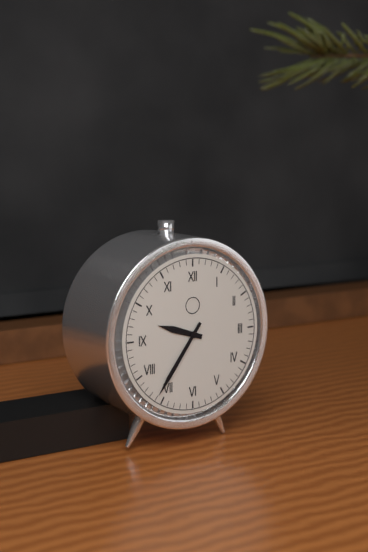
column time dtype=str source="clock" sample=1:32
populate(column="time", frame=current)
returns 9:36
